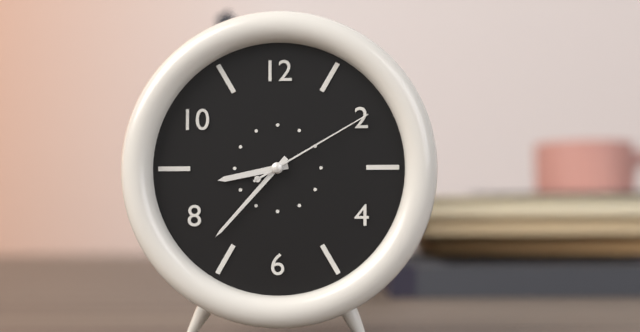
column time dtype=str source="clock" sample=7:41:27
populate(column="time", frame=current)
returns 8:37:10
